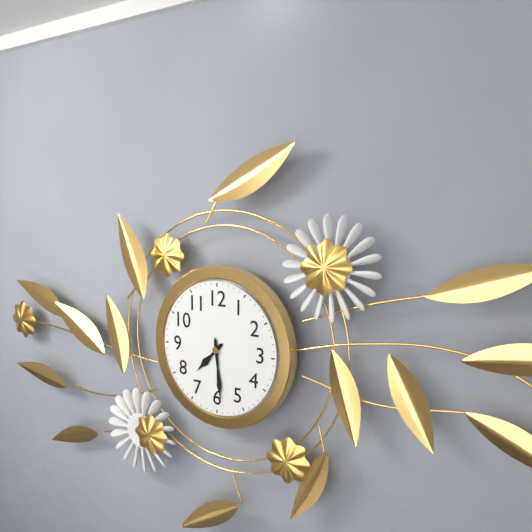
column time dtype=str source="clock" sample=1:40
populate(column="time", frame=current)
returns 7:29
